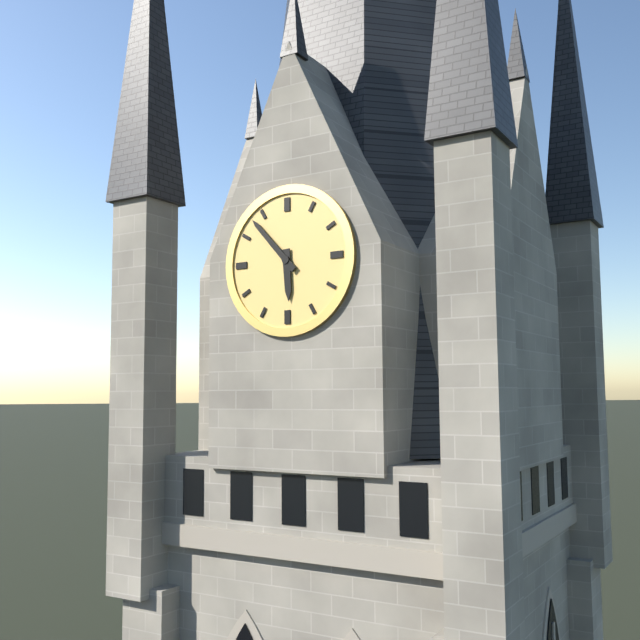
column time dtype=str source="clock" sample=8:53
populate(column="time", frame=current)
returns 5:53
